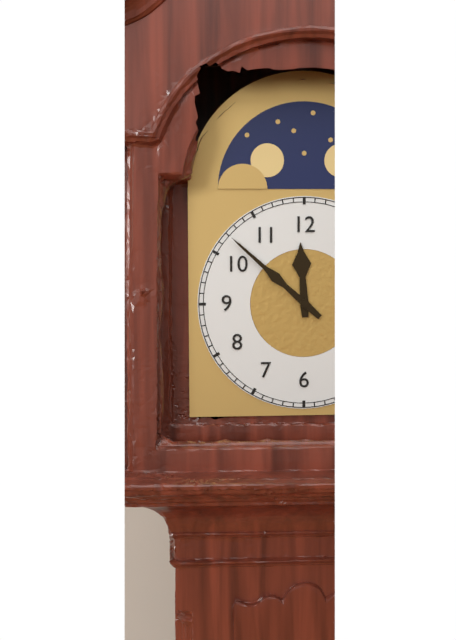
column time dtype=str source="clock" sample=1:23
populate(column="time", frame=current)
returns 11:52
